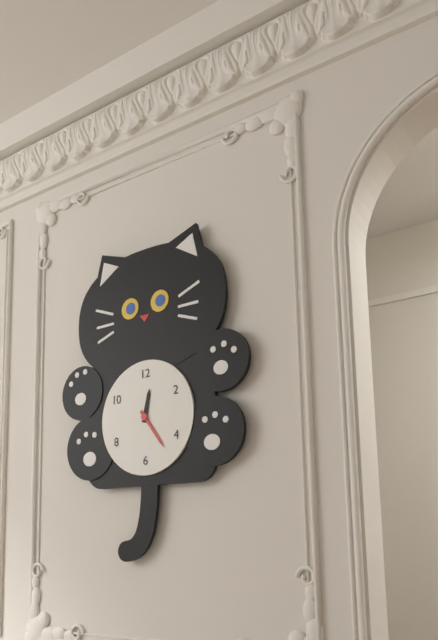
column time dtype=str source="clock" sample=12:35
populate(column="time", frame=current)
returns 12:24
